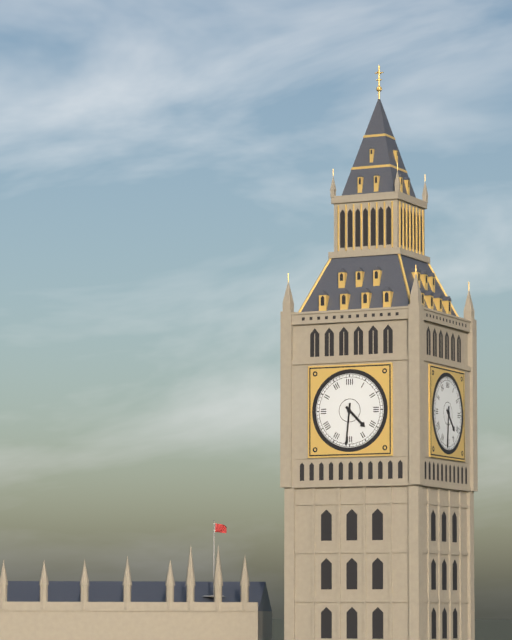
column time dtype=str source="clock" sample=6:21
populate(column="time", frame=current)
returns 4:31
